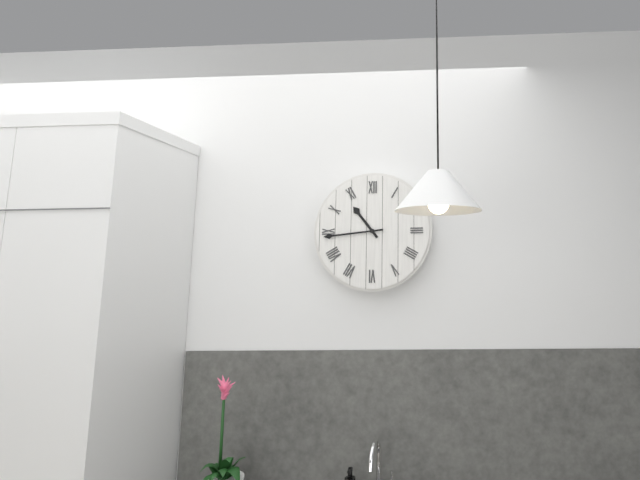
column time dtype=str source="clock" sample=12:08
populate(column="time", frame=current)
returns 10:44
